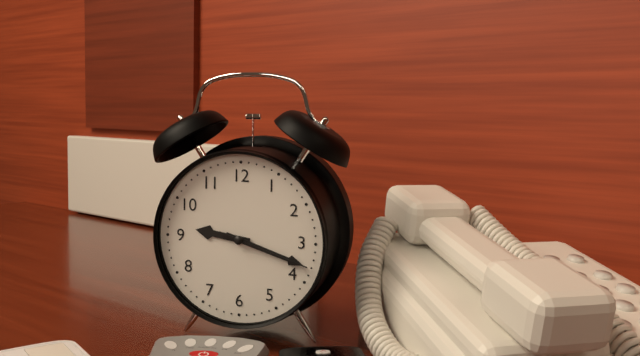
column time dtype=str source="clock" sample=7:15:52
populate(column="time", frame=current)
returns 9:18:18
